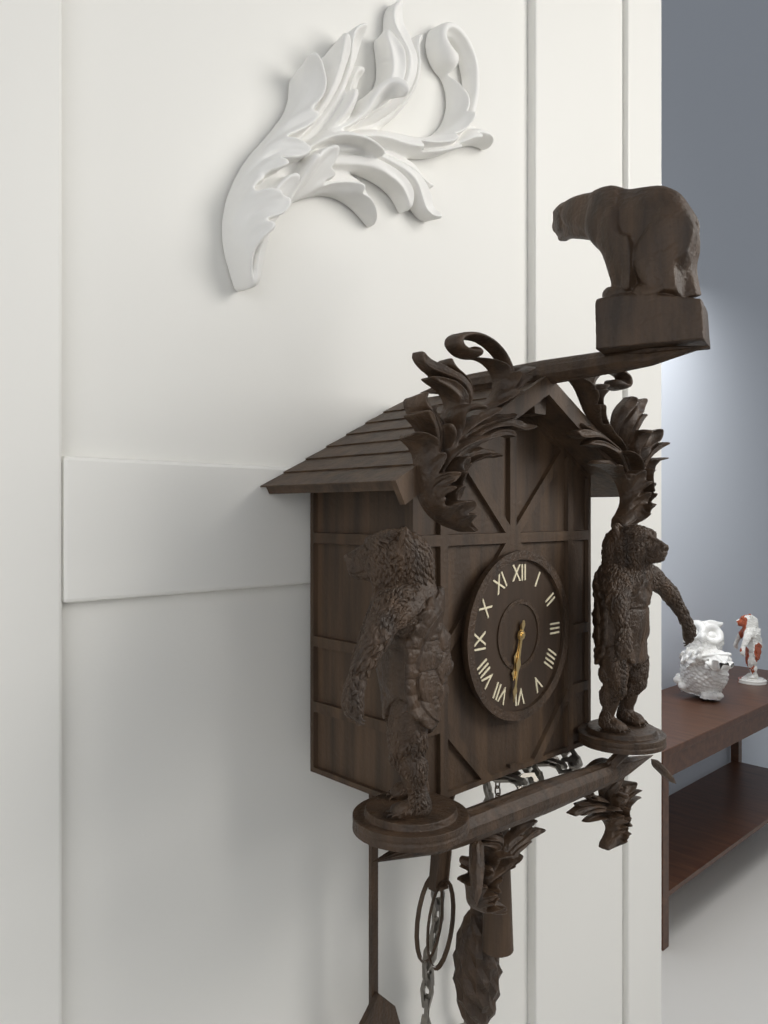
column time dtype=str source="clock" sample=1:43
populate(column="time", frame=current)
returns 6:32
